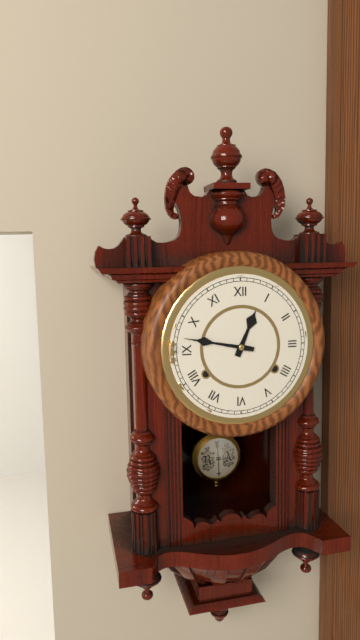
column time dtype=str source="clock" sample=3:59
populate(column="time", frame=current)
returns 12:47
